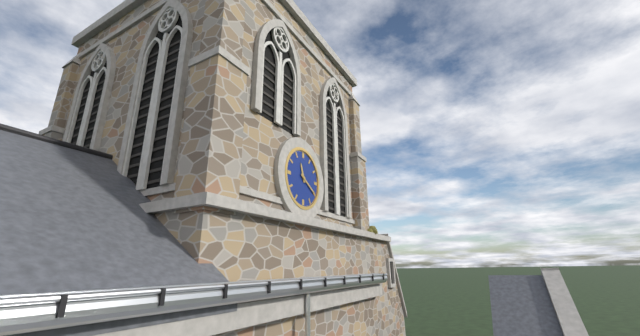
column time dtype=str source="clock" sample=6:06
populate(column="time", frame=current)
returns 11:20
